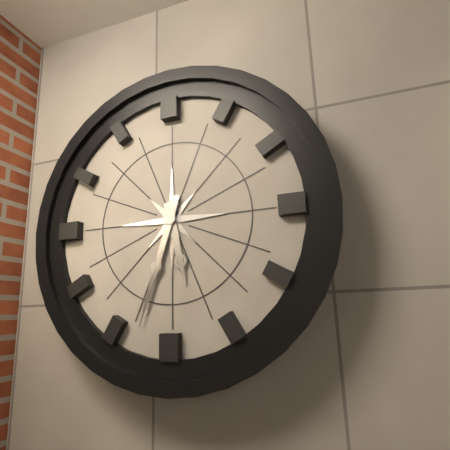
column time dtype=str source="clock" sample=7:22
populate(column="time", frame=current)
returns 5:33
